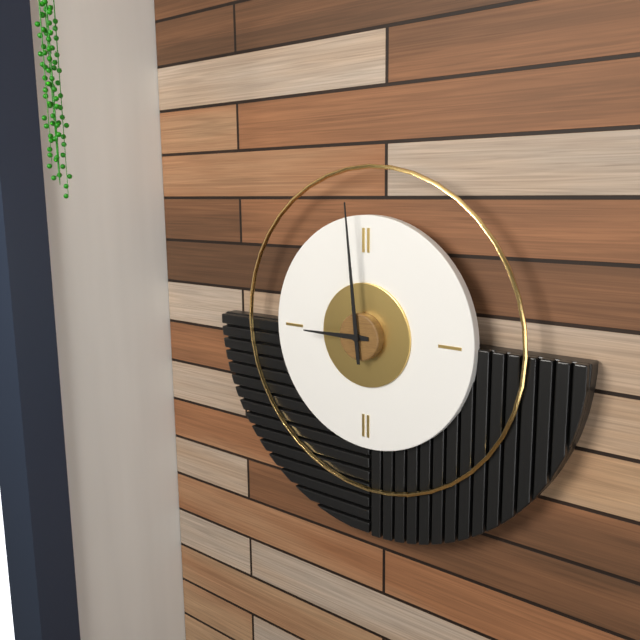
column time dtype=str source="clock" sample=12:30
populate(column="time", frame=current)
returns 8:59
